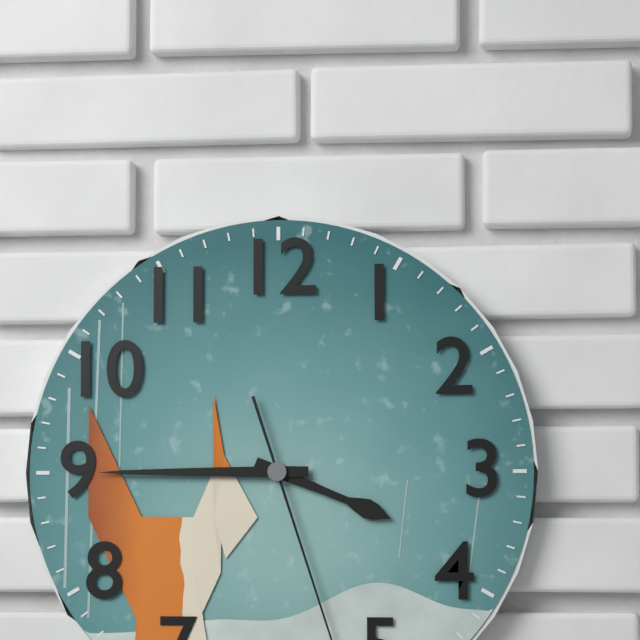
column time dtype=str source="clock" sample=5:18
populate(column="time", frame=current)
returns 3:45
